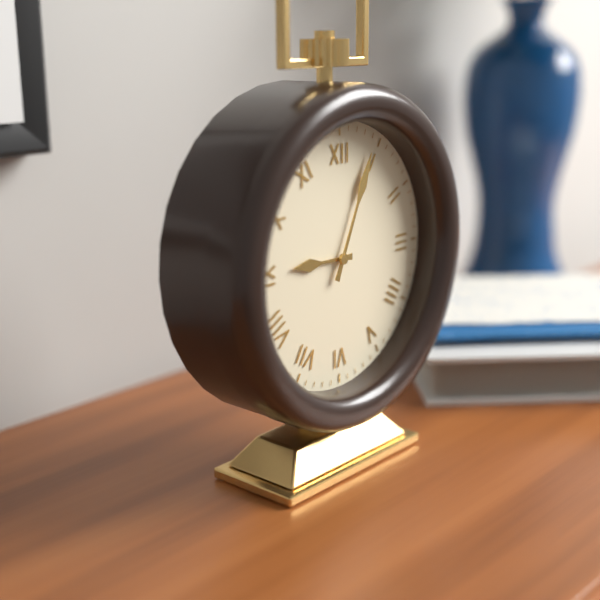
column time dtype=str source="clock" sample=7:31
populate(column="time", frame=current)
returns 9:04
